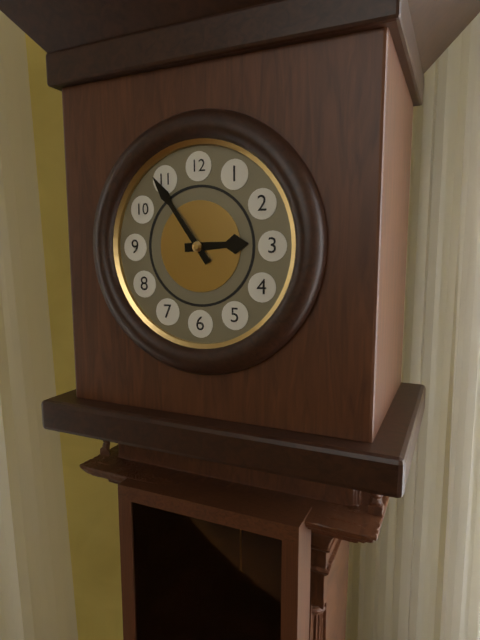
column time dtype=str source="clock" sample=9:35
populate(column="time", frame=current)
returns 2:54
